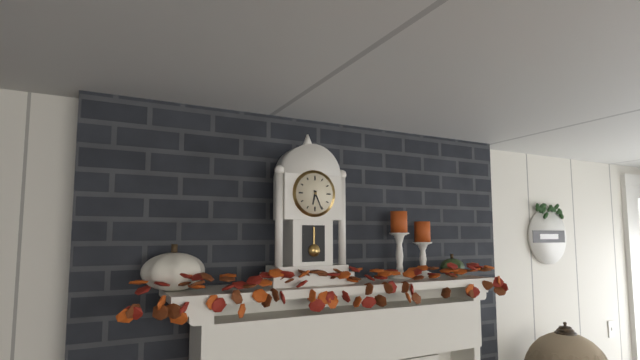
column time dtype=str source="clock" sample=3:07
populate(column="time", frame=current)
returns 6:26
